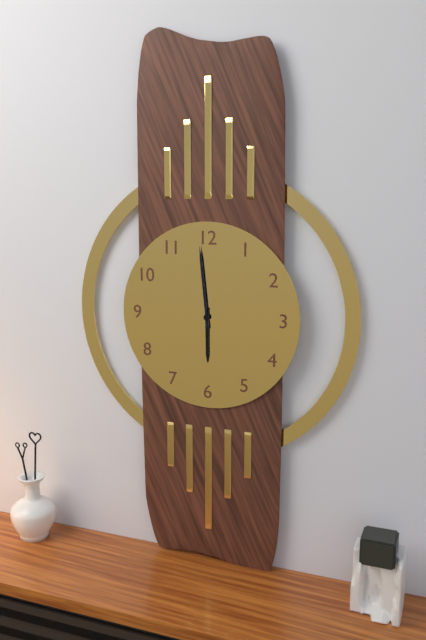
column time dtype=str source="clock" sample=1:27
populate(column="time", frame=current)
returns 5:59
